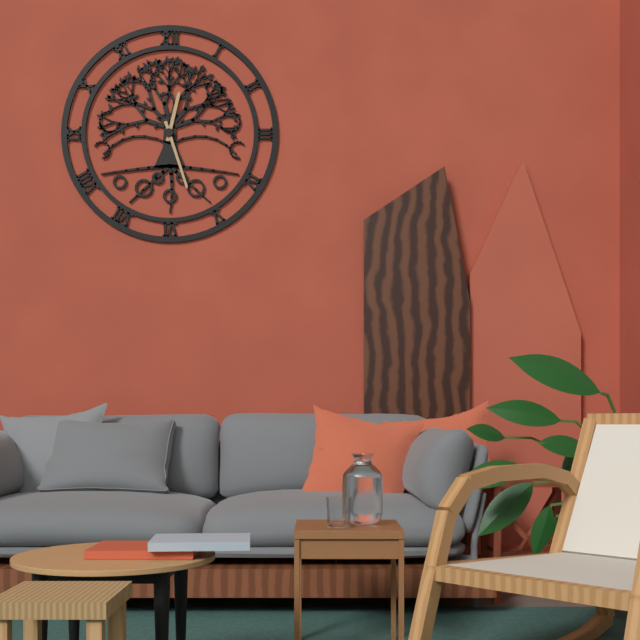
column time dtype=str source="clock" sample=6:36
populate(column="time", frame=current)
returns 12:27
